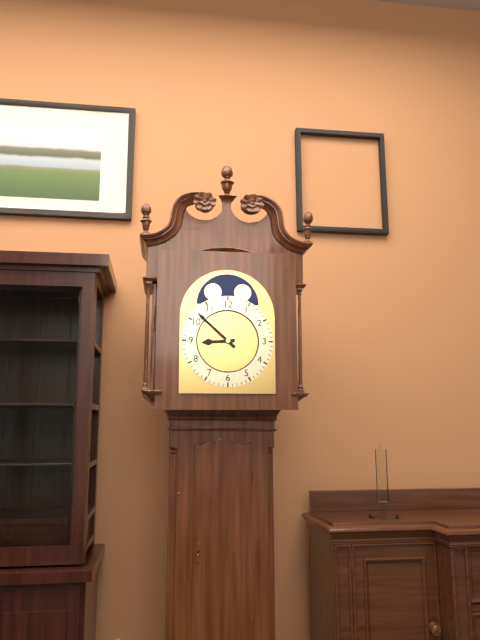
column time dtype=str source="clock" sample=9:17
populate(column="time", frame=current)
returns 8:52
